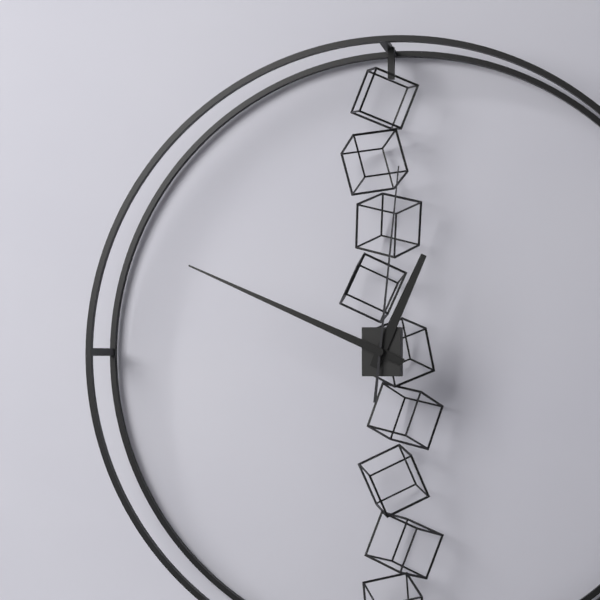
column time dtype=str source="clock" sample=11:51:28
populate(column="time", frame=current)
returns 12:49:01
